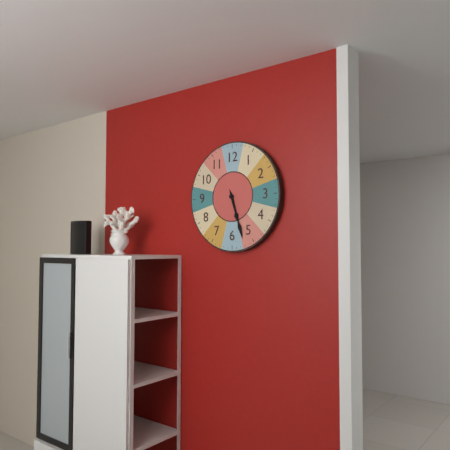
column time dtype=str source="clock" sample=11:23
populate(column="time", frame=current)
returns 5:27
